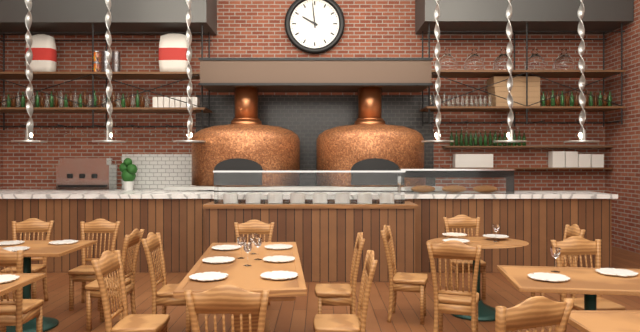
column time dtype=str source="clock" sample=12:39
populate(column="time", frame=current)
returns 9:59
